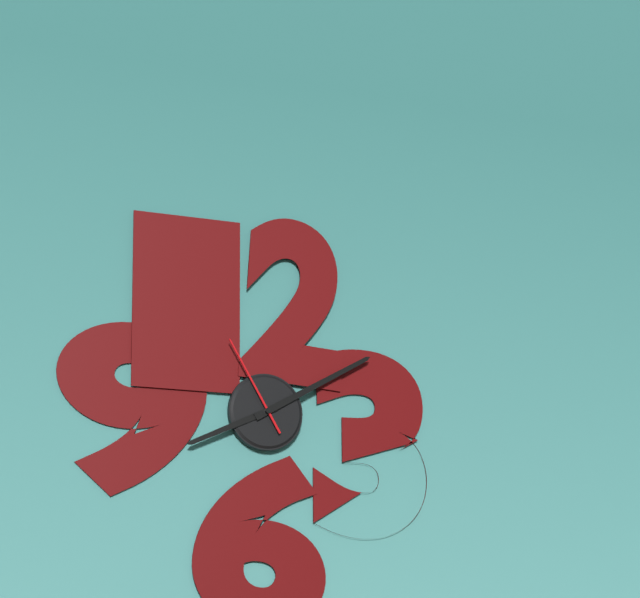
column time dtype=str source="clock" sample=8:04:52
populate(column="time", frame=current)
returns 8:10:55
